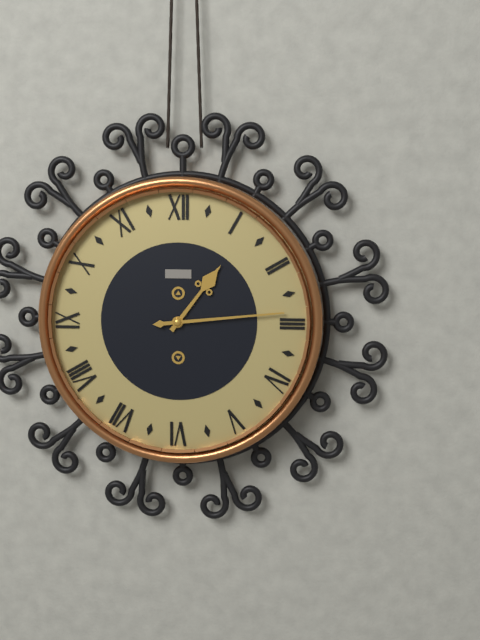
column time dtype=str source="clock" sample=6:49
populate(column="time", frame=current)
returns 1:14
